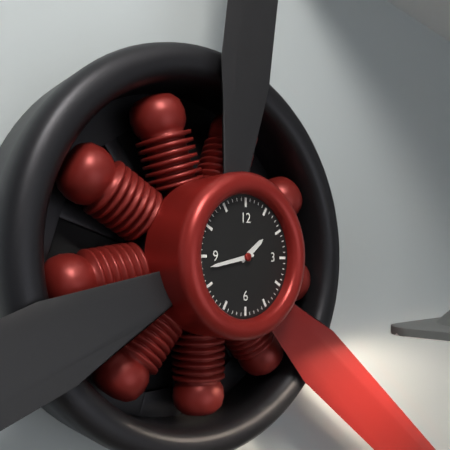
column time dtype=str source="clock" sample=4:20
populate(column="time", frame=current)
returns 1:43
